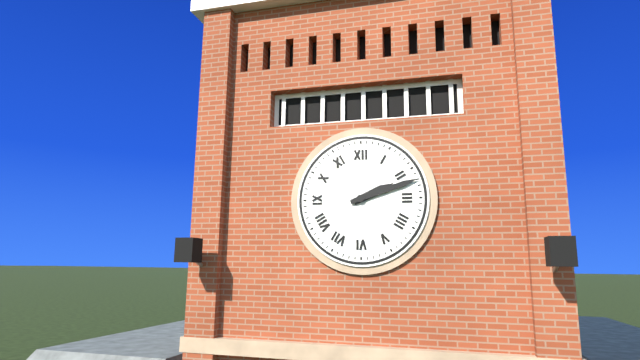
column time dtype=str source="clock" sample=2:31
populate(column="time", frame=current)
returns 2:12
